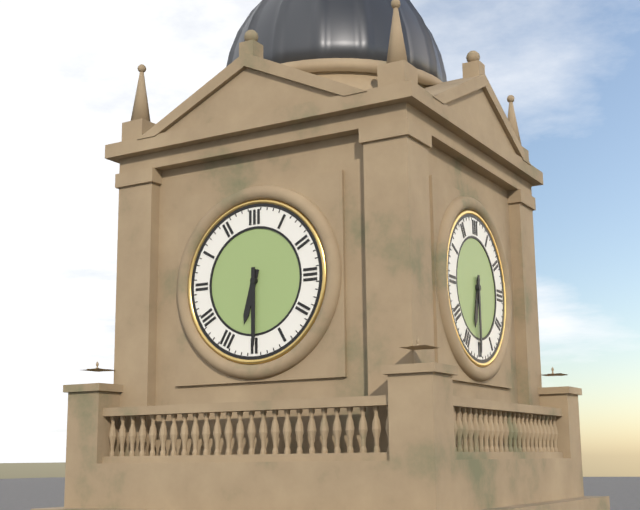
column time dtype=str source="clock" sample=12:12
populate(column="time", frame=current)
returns 6:30
